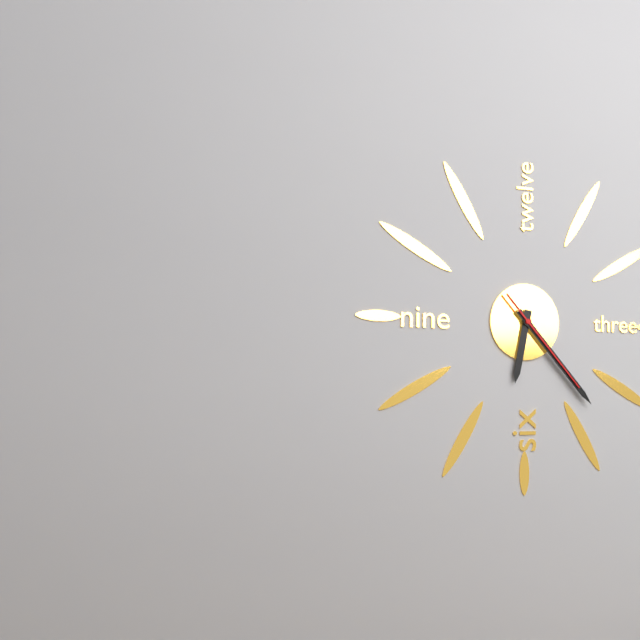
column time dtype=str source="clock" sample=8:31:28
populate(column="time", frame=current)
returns 6:23:23
